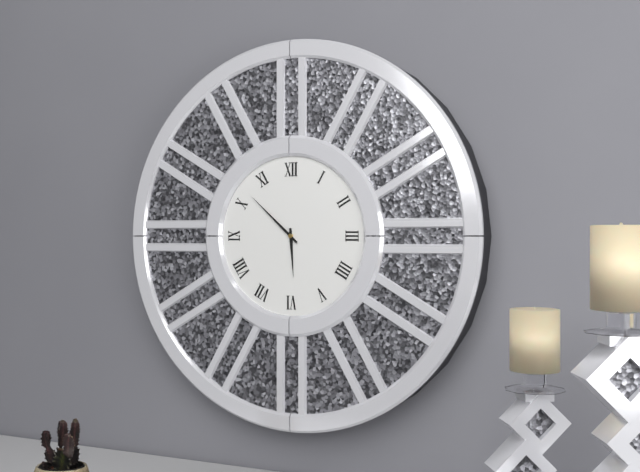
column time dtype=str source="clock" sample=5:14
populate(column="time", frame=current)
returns 5:52
